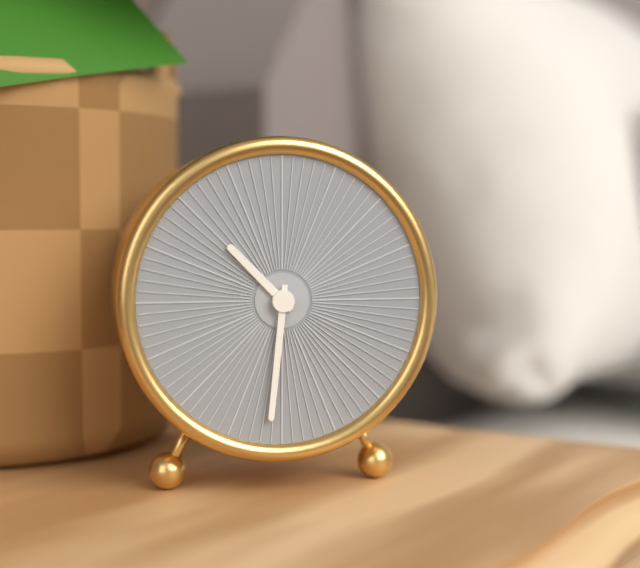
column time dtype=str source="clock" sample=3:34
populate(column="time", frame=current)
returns 10:31
